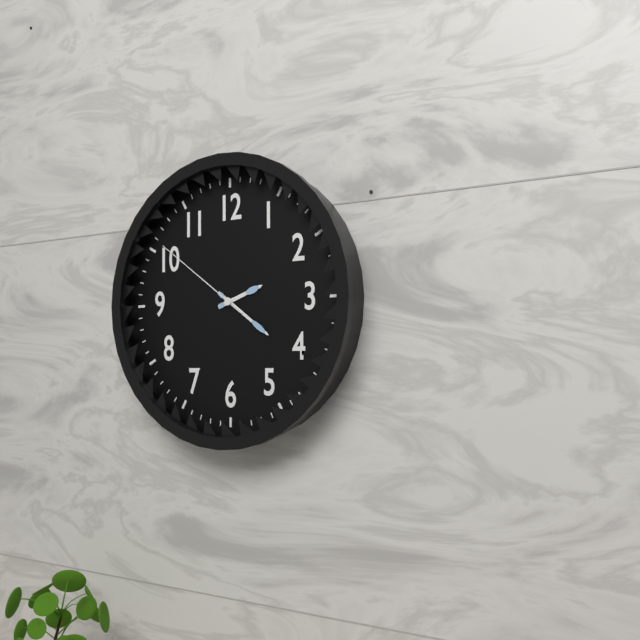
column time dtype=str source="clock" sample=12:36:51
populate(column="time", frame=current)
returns 2:21:51
